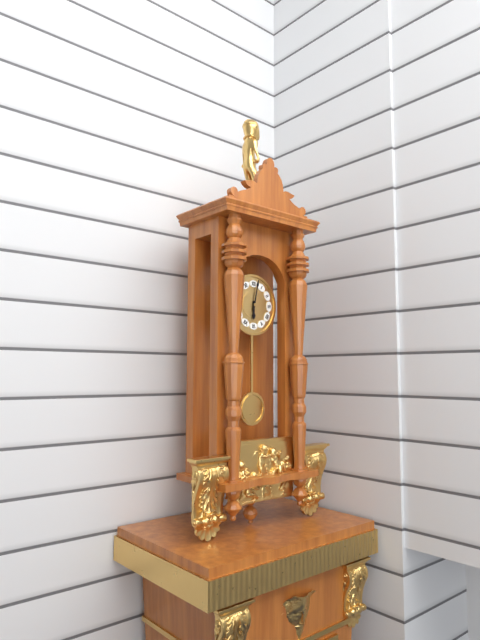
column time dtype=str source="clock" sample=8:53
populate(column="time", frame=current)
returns 6:02
